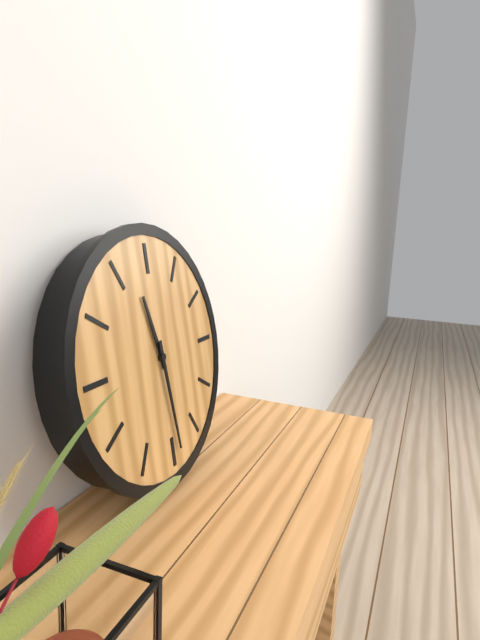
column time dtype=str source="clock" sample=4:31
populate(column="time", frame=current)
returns 11:29
